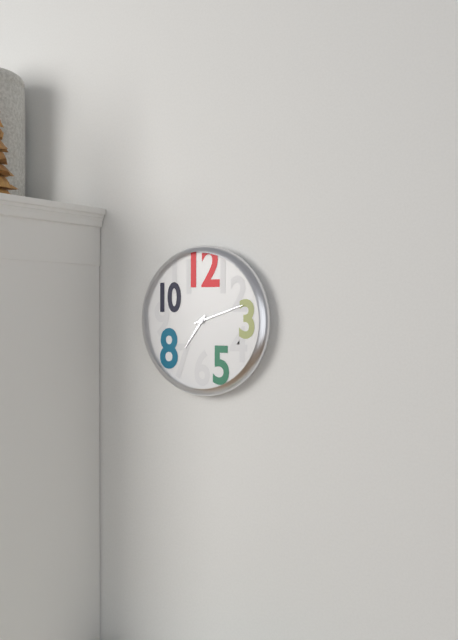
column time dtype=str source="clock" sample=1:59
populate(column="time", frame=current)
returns 7:12
